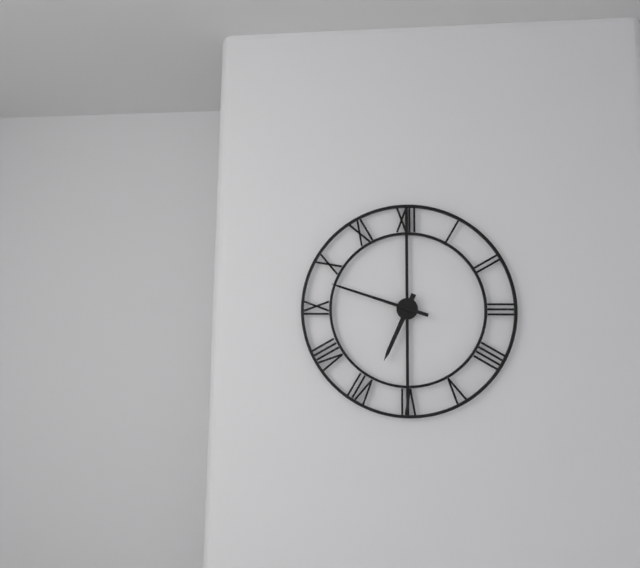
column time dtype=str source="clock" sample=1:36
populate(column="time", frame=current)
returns 6:48
